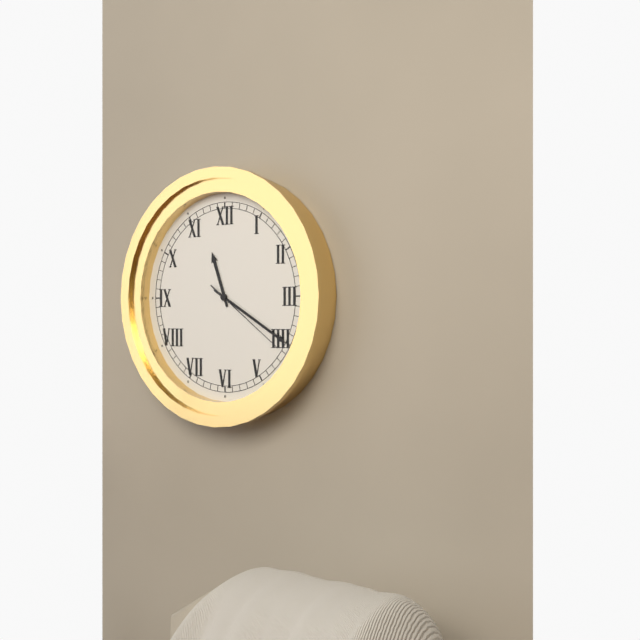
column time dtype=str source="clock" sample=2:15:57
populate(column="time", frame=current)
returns 11:20:21
